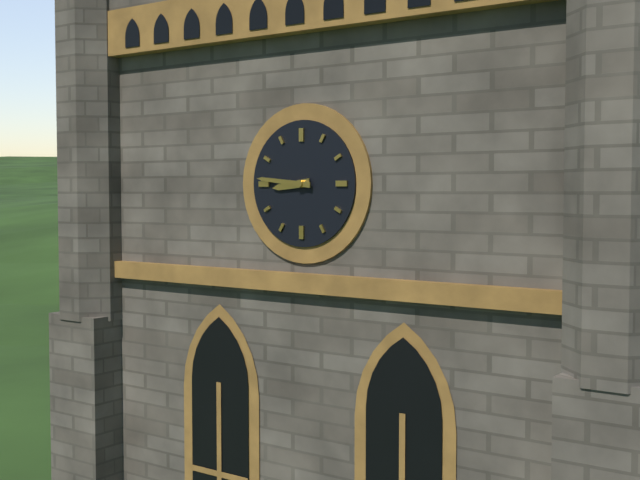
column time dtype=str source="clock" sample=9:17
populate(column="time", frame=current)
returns 8:46
